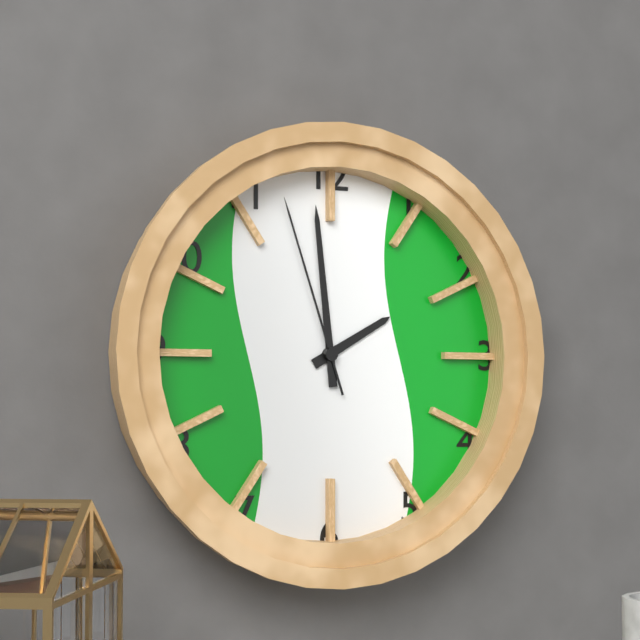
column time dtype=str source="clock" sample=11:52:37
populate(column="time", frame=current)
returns 1:59:57
